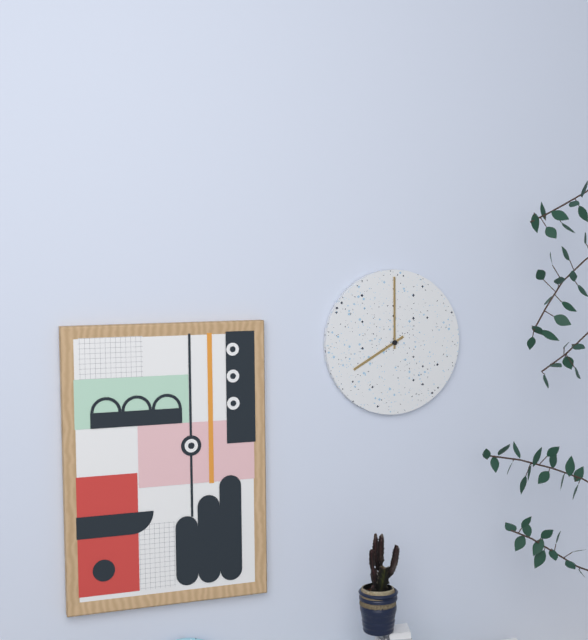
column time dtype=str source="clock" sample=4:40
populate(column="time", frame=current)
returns 8:00
